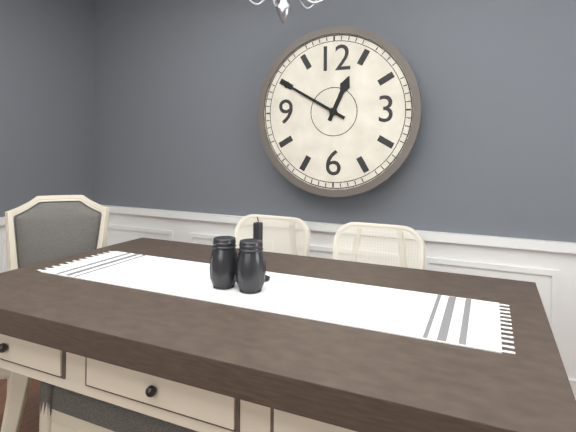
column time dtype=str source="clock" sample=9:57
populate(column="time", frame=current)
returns 12:50
